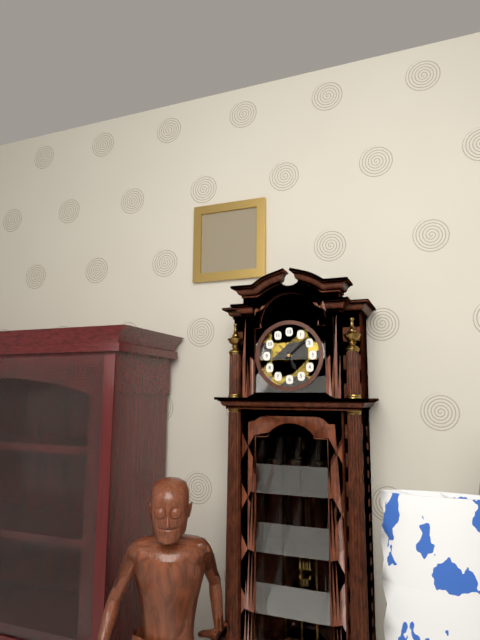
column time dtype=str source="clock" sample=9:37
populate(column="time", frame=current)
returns 5:08
